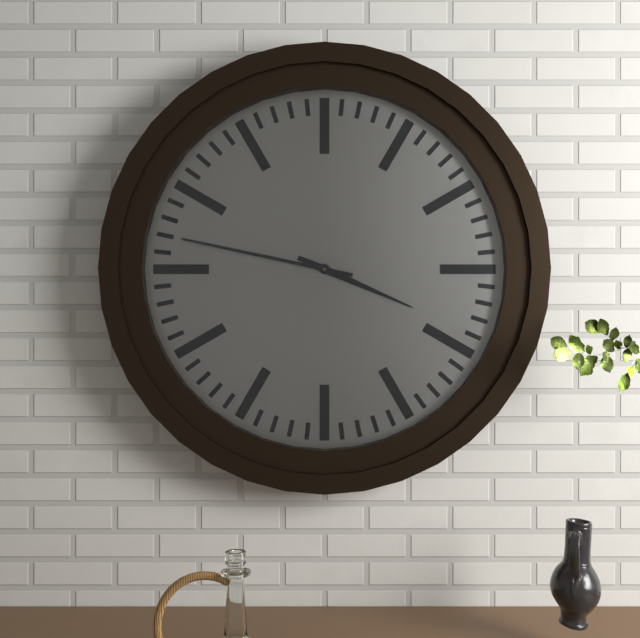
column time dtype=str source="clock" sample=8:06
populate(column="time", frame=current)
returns 3:47
